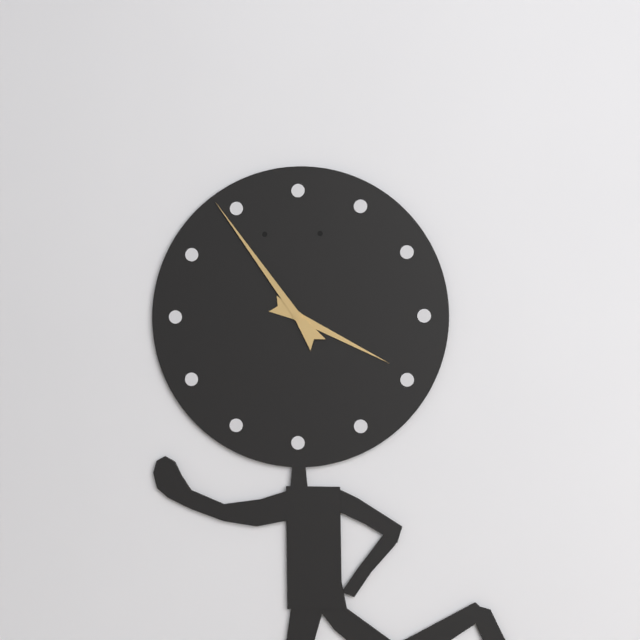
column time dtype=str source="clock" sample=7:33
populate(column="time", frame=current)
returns 3:54
